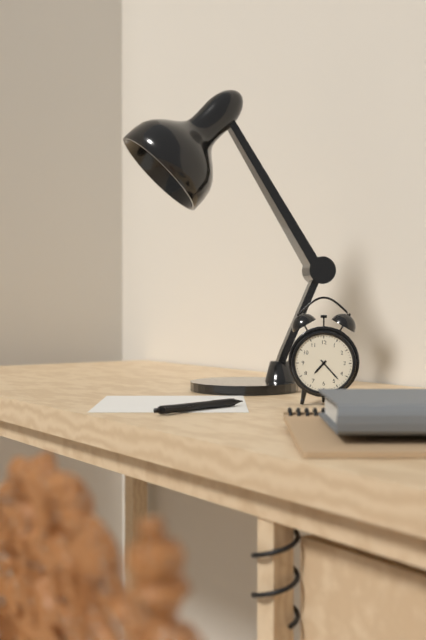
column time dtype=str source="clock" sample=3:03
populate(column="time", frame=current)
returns 7:23
